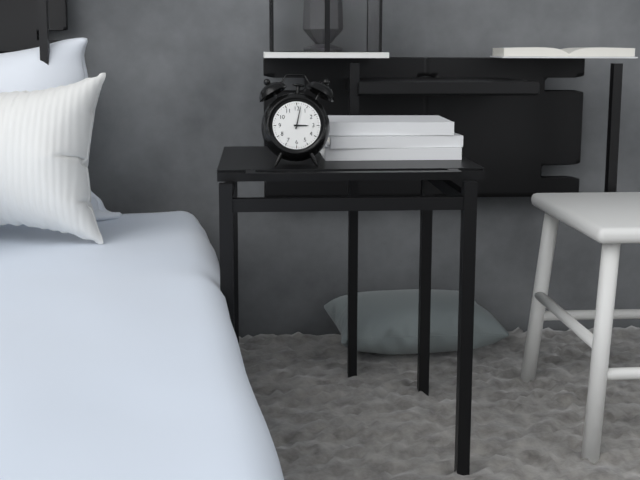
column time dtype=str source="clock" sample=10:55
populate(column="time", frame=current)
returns 3:02
